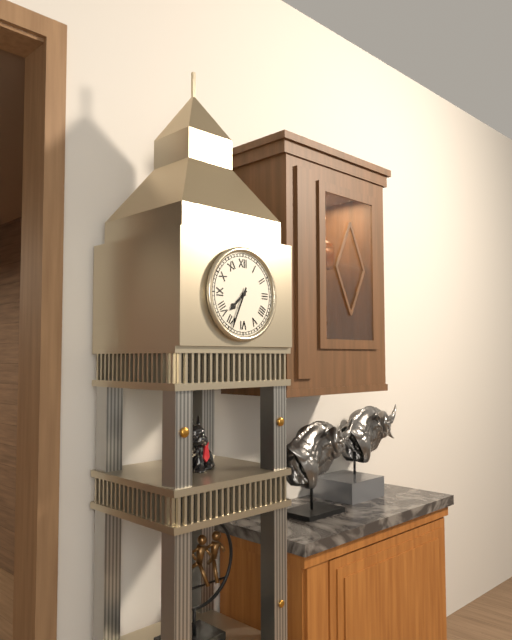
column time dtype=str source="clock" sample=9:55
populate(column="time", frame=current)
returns 7:34
